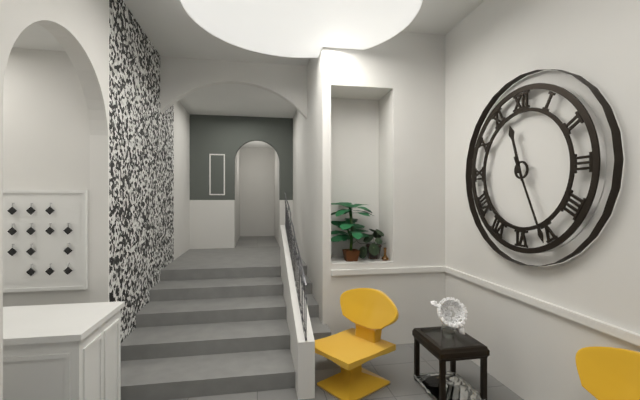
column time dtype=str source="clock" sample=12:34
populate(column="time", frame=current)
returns 11:26
